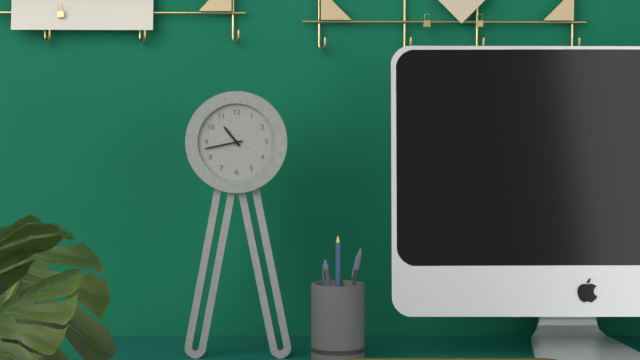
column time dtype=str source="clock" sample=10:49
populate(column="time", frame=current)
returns 10:43
